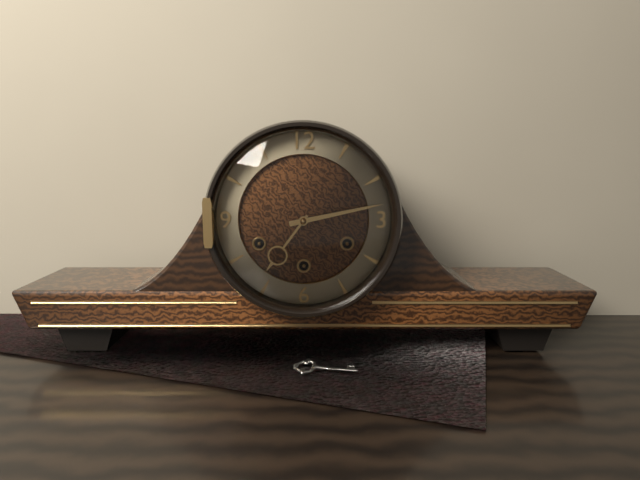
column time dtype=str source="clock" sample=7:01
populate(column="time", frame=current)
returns 7:13
